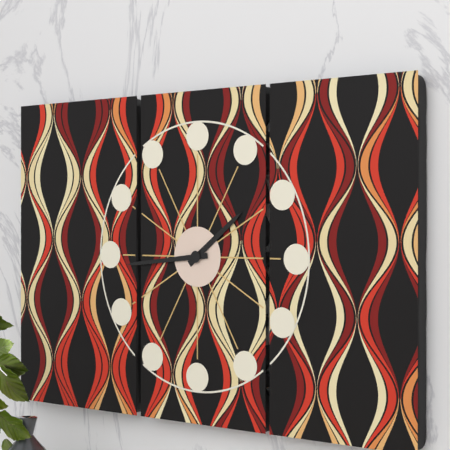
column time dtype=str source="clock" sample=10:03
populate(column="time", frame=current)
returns 1:44
